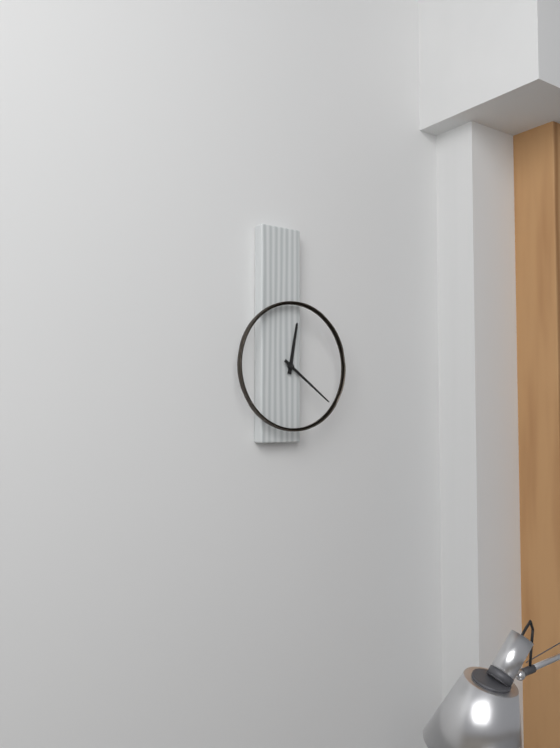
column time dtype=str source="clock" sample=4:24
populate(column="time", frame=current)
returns 12:21
